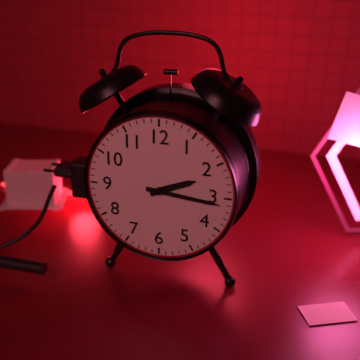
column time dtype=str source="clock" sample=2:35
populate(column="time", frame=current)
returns 2:16
